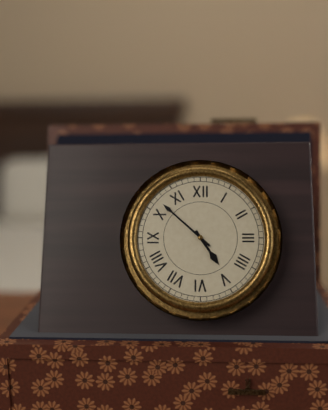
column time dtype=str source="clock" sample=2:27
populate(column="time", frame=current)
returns 4:52
